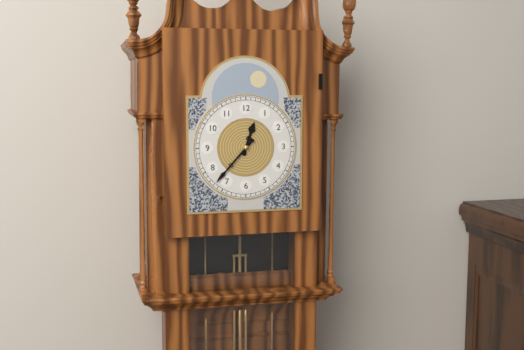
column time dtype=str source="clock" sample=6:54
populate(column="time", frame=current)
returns 12:37
